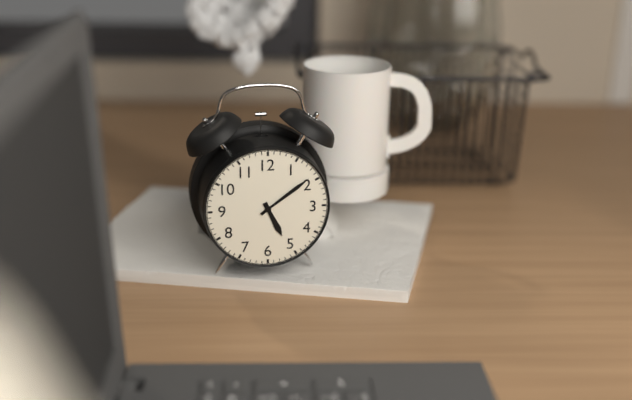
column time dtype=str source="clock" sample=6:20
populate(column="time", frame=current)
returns 5:09
